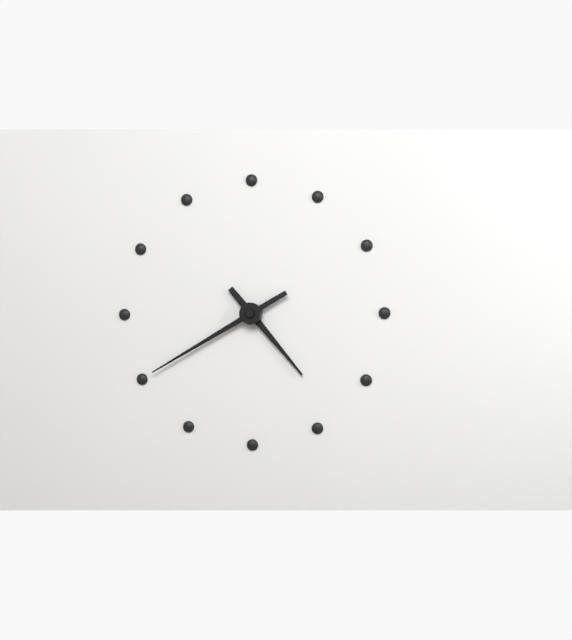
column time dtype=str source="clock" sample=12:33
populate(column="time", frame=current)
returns 4:40
